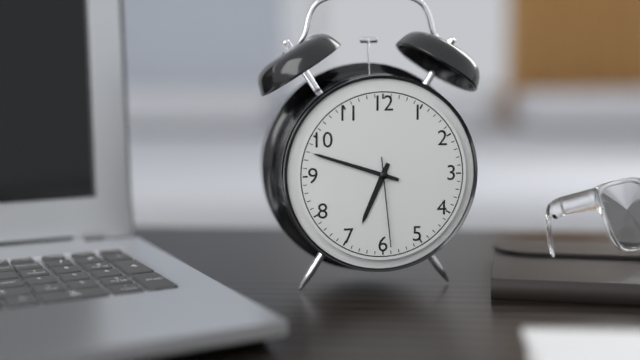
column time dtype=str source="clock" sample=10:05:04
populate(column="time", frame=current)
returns 6:48:29
